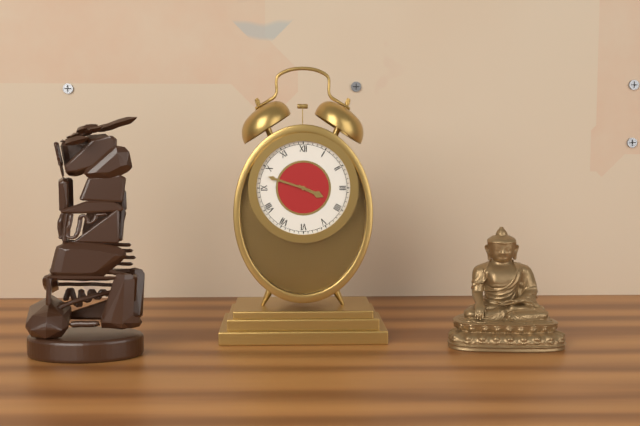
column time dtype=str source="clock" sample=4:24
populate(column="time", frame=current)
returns 3:48
